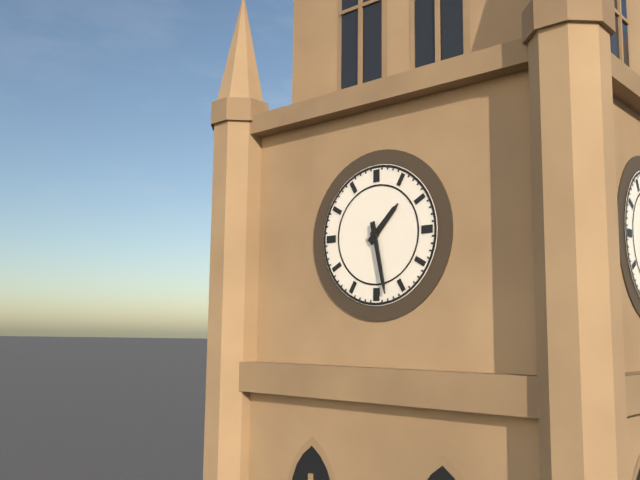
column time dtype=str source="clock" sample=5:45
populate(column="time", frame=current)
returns 1:28
